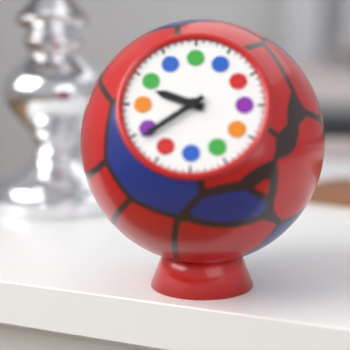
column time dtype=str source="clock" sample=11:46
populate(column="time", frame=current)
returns 9:39
